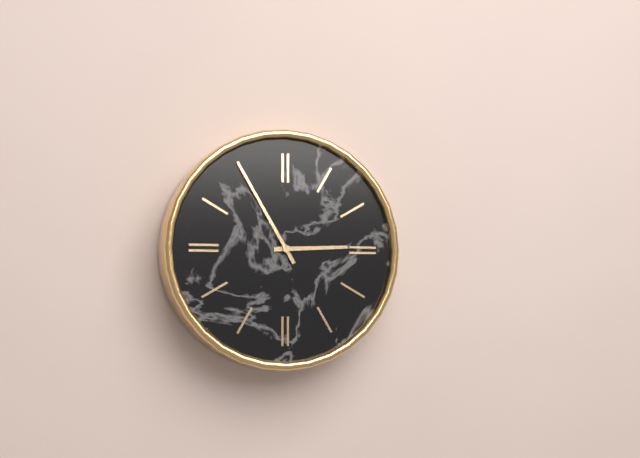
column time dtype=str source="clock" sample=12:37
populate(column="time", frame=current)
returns 2:55
